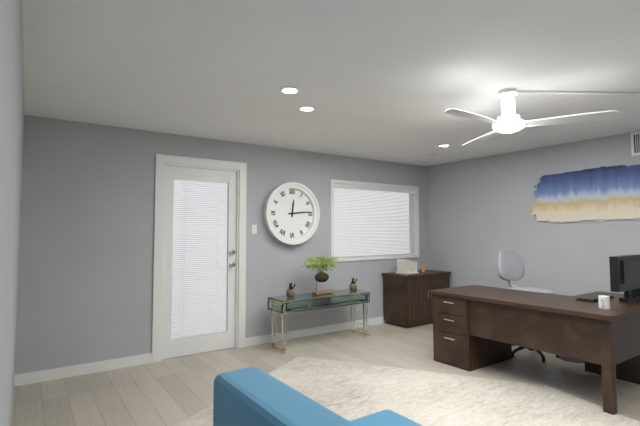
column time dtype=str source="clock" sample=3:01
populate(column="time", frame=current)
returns 12:14
